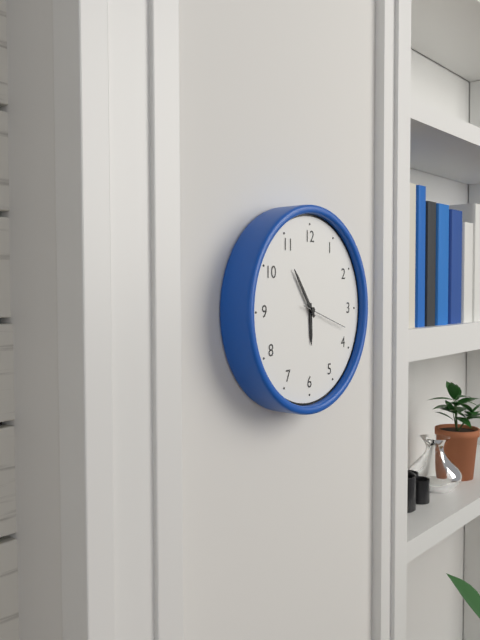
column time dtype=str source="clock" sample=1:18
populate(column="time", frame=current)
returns 5:54
